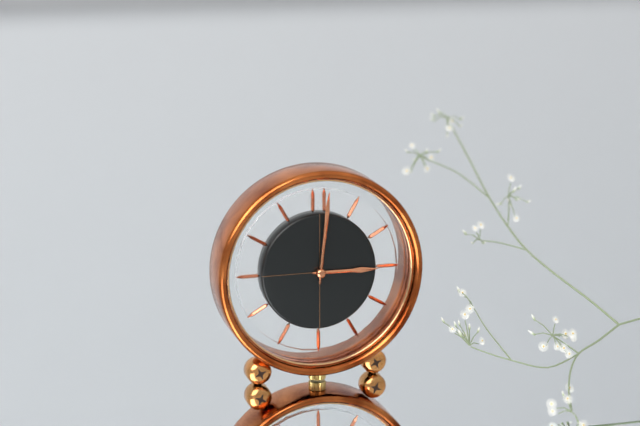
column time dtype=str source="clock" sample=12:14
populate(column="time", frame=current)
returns 3:01
